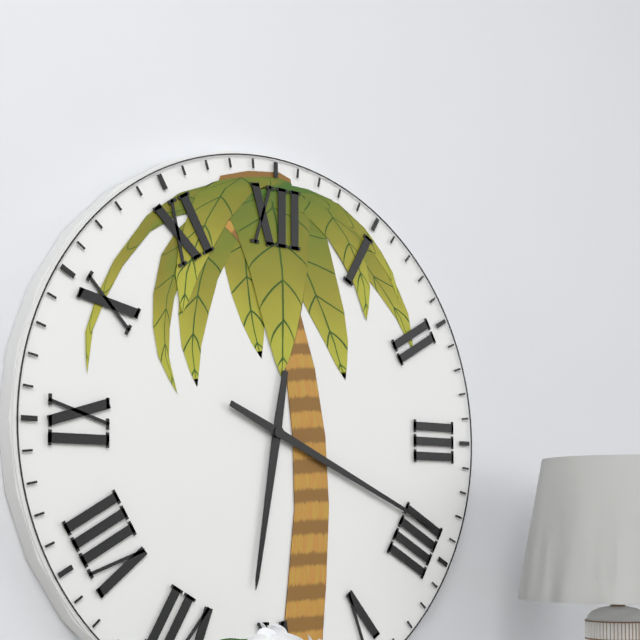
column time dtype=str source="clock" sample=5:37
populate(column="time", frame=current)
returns 6:19
